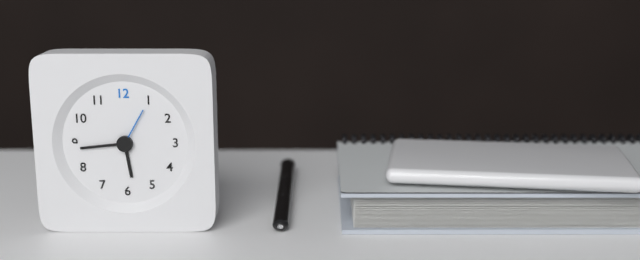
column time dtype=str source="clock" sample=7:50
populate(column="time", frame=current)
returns 5:44
